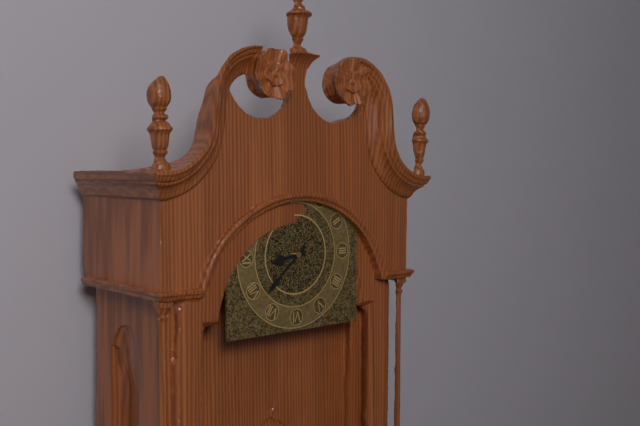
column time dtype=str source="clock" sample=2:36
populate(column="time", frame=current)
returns 8:38
